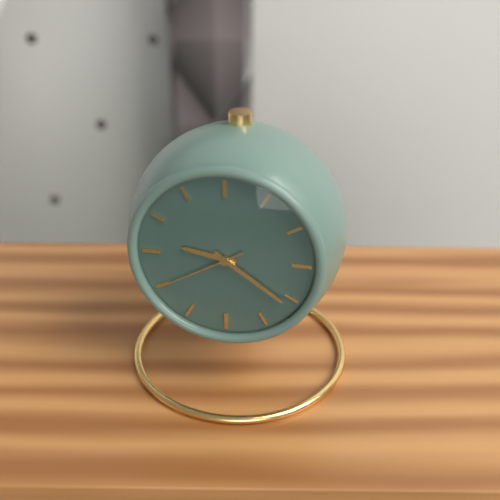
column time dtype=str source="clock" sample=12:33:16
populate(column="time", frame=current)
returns 9:21:40
